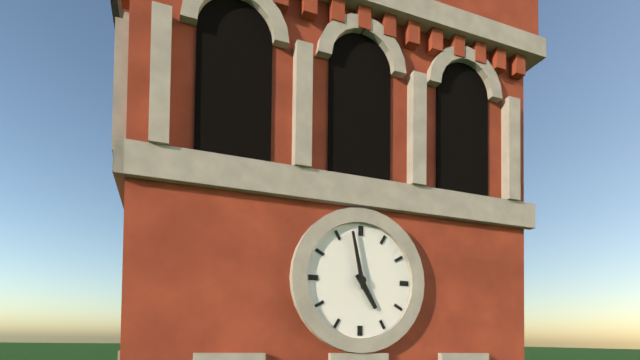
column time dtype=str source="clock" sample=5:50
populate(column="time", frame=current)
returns 4:58
